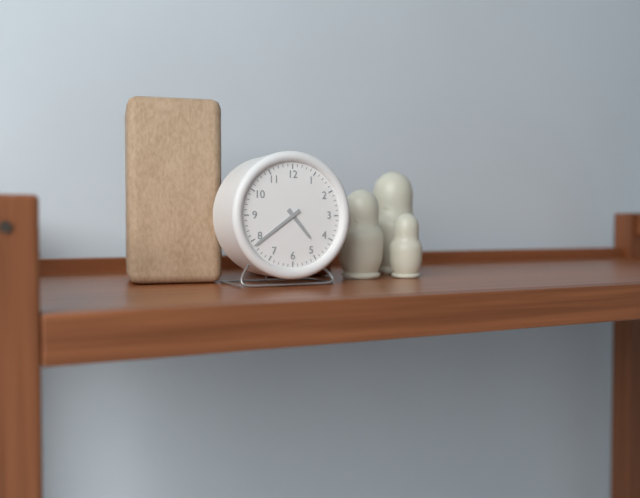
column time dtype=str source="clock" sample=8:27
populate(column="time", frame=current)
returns 4:39
